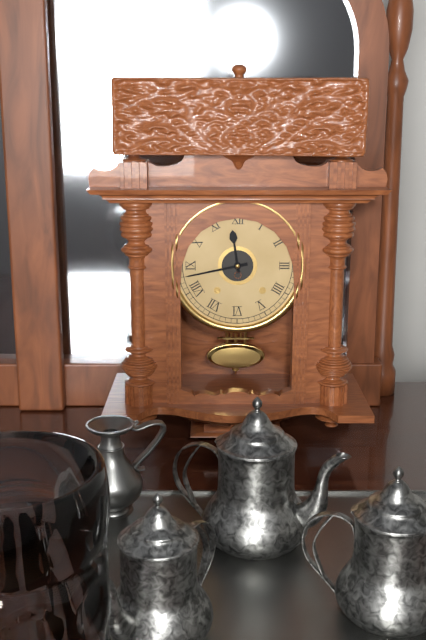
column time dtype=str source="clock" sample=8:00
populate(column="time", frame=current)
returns 11:43
